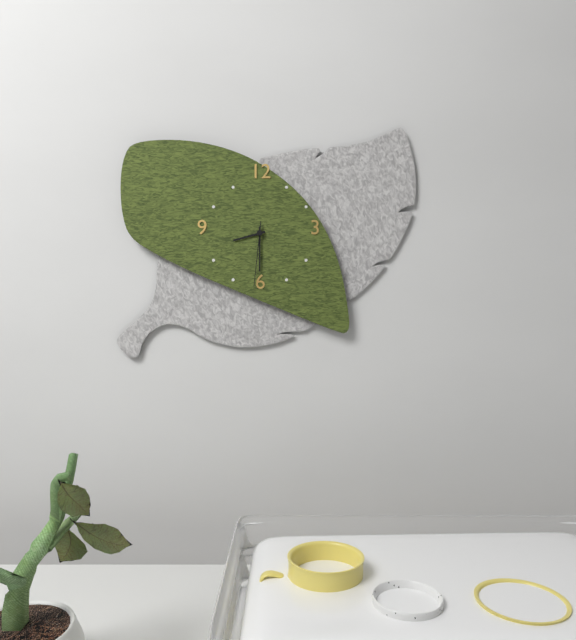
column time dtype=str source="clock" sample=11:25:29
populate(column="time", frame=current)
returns 8:30:31
